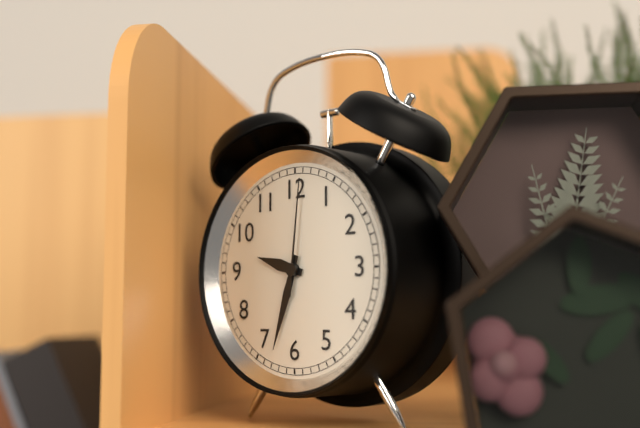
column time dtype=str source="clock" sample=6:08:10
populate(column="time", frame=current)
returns 9:33:01
